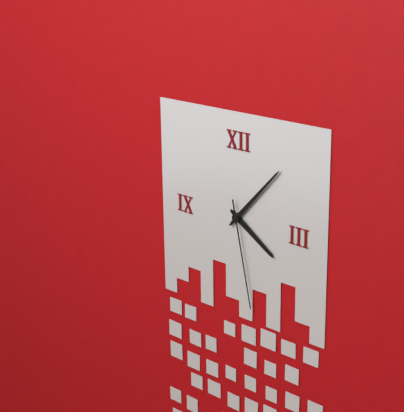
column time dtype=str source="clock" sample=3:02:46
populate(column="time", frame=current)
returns 4:07:28
